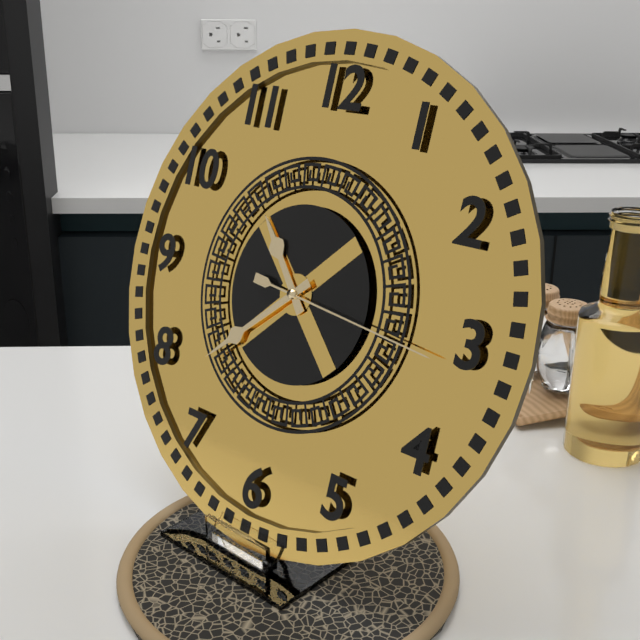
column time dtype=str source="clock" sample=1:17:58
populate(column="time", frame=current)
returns 10:38:16
